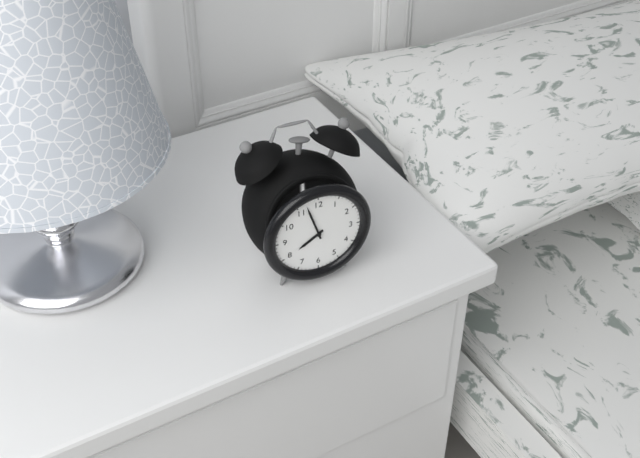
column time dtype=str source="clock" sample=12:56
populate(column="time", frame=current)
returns 7:57
